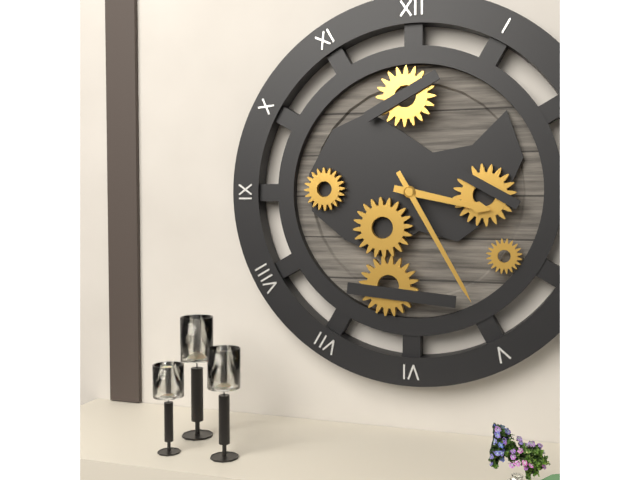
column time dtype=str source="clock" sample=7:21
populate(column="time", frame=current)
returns 3:25
